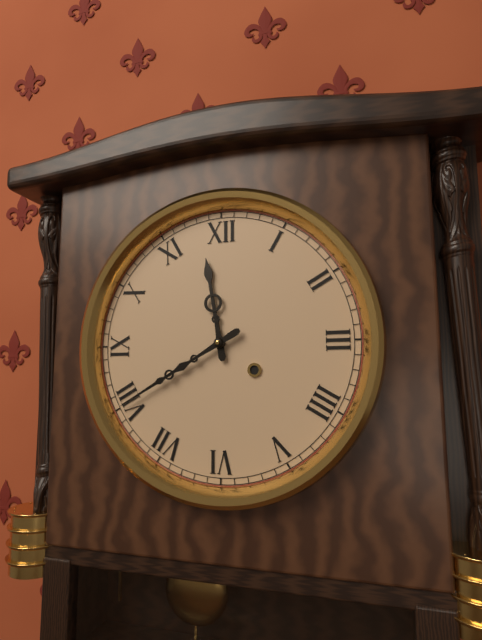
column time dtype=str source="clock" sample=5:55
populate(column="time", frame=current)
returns 11:40
